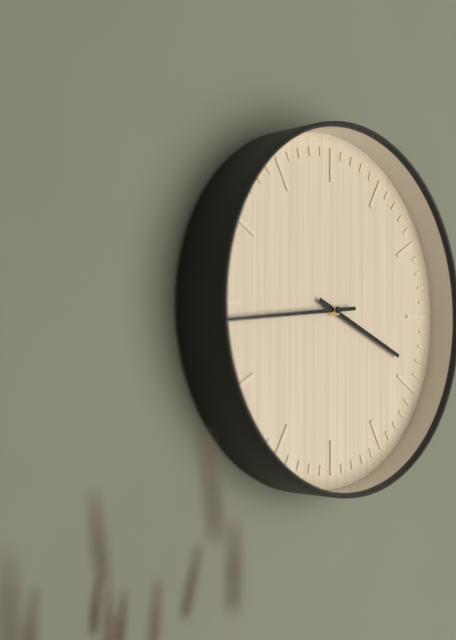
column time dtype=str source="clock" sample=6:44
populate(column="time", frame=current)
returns 3:44
